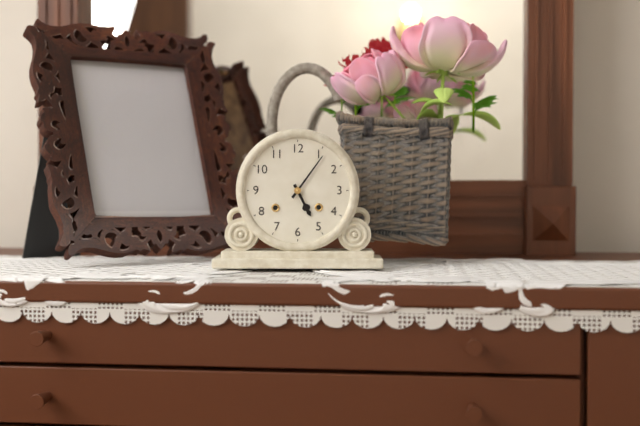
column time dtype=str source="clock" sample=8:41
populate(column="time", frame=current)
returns 5:06
